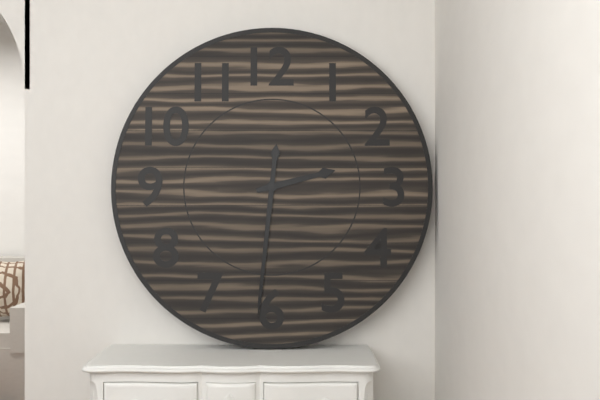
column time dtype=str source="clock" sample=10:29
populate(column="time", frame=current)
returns 2:31
